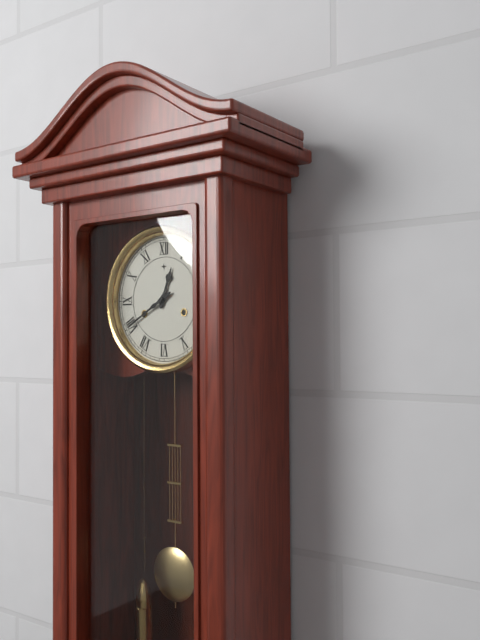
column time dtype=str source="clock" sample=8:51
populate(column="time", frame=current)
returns 12:40
